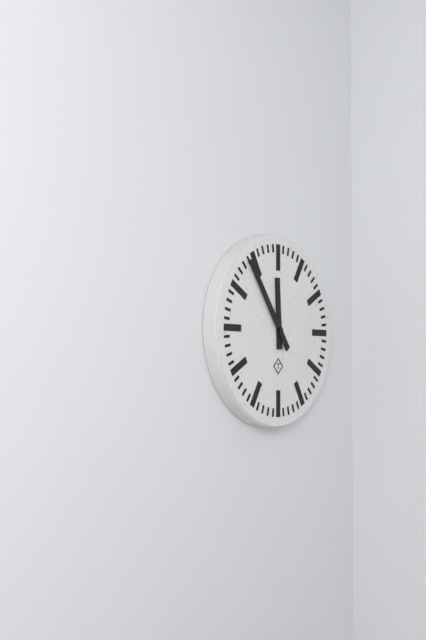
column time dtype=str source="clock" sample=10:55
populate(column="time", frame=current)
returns 11:54
